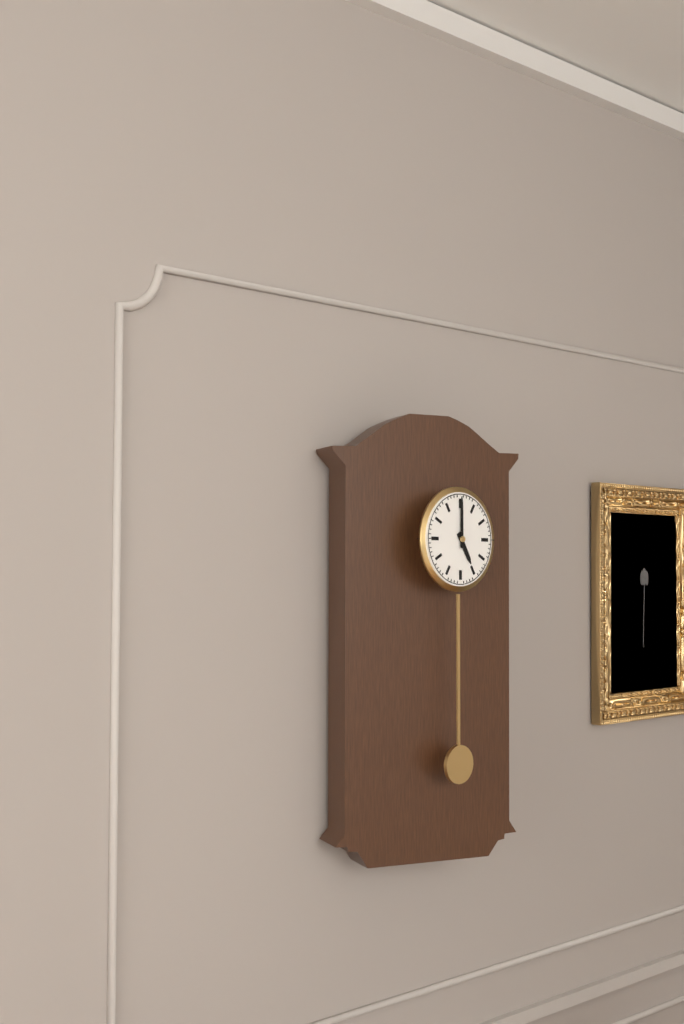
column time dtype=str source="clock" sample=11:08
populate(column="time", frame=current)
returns 5:00
